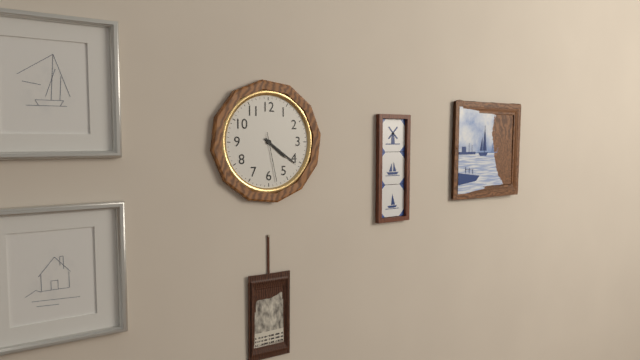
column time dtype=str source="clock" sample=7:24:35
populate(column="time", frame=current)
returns 4:21:28
